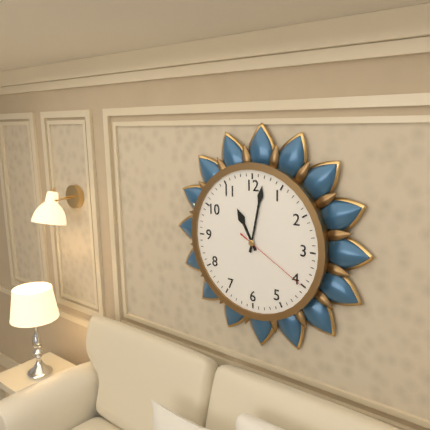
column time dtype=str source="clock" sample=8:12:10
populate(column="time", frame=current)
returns 11:02:20
